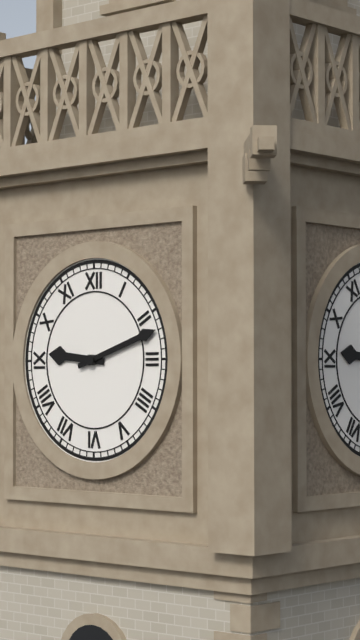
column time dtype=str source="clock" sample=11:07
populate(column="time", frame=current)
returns 9:12
